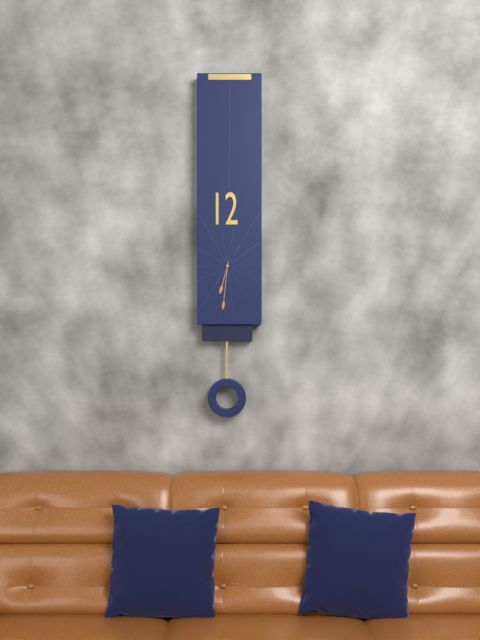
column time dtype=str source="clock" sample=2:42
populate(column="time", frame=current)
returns 6:31
